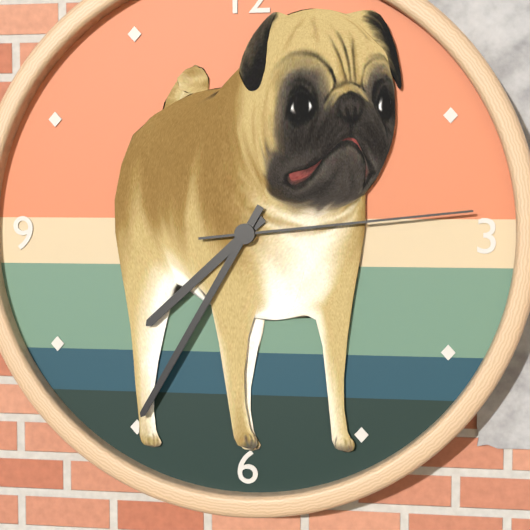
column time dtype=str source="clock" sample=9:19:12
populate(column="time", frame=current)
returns 7:35:14
